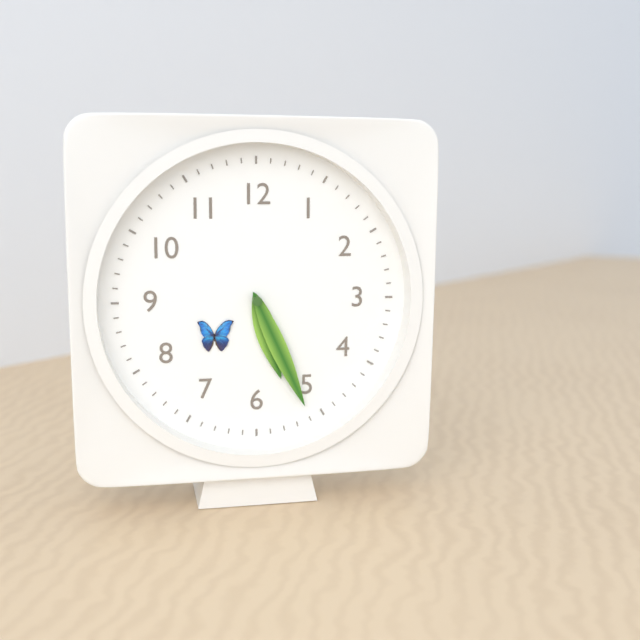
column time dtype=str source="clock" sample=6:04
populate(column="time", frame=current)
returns 5:26
